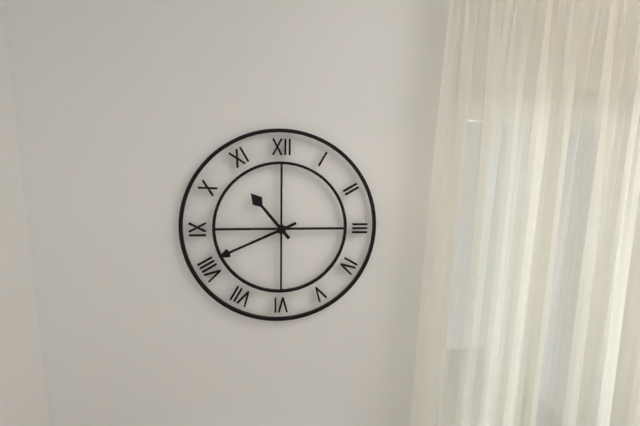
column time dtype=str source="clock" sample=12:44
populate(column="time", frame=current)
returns 10:41
